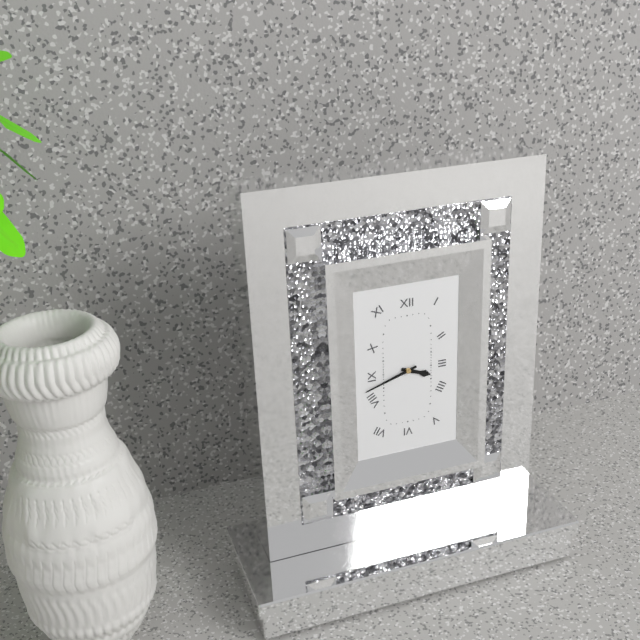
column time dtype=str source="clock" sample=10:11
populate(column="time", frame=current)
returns 3:42
